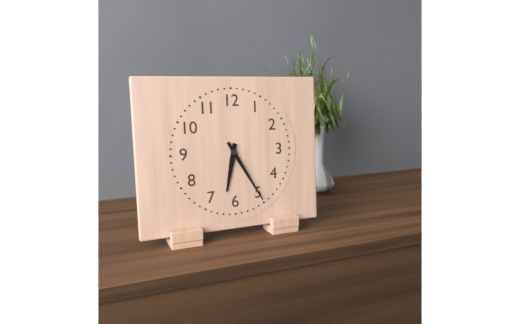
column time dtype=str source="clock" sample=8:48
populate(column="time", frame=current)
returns 6:25
